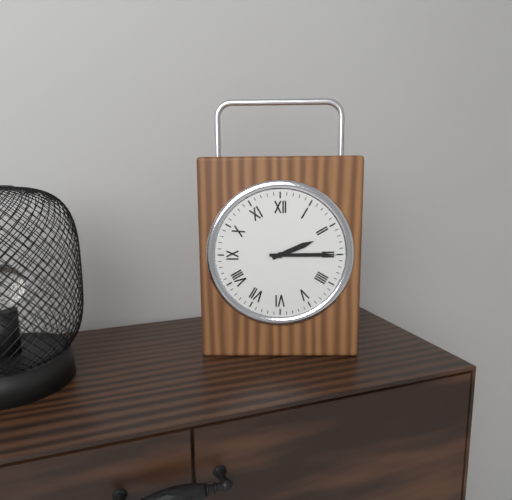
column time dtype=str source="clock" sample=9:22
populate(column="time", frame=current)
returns 2:15
